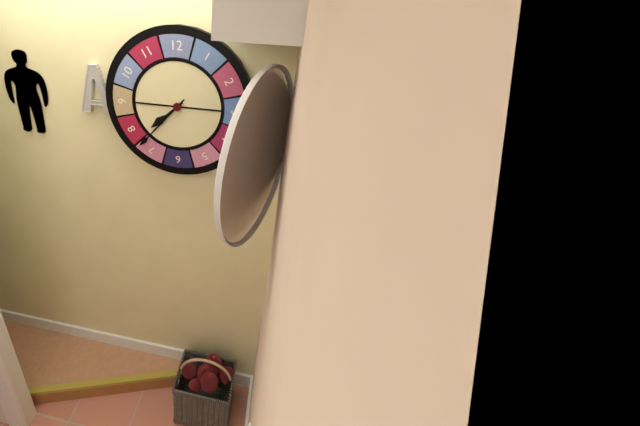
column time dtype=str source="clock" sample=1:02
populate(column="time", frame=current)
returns 7:37
